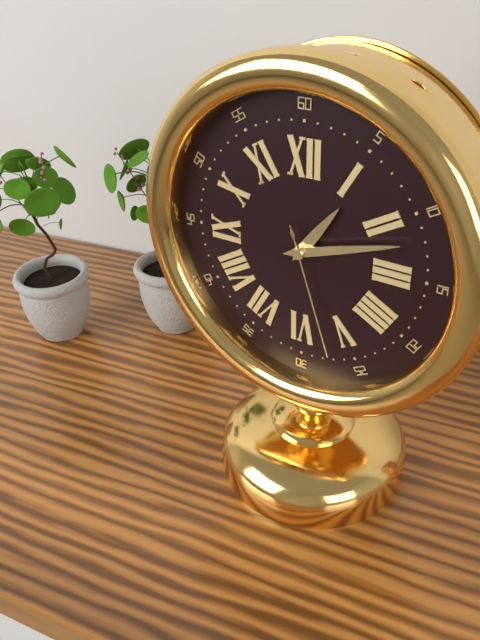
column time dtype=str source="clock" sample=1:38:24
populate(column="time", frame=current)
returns 1:12:27
